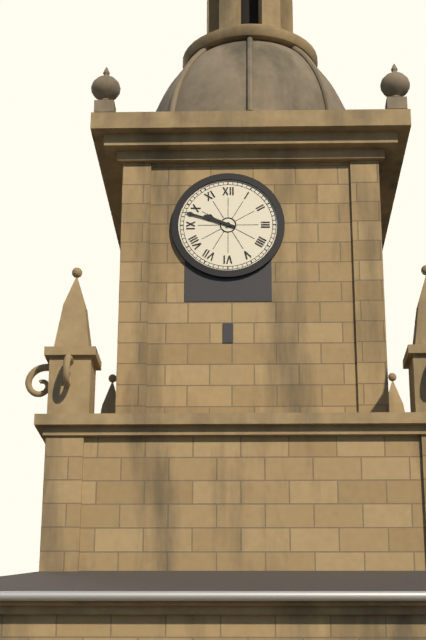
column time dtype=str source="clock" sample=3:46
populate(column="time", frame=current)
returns 9:48
